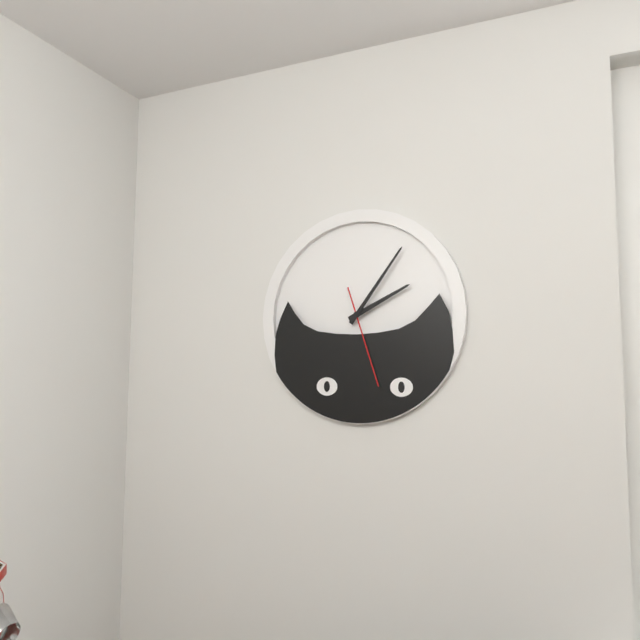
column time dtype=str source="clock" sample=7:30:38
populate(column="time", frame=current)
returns 2:06:27
